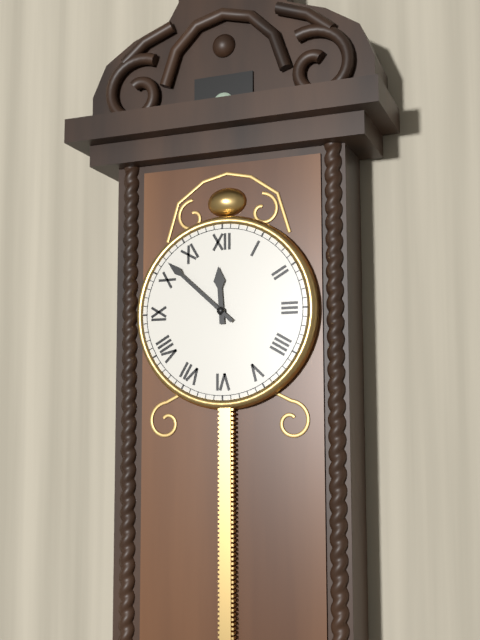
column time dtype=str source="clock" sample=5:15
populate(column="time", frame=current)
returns 11:52
